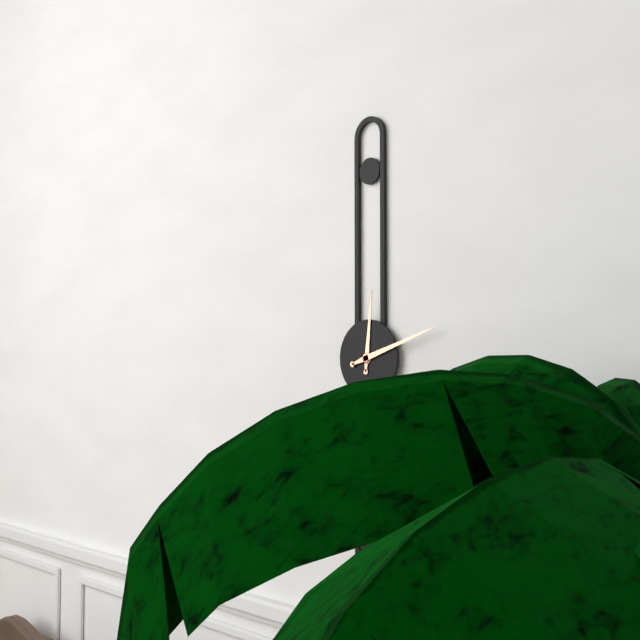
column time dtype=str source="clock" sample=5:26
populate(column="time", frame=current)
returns 12:12
